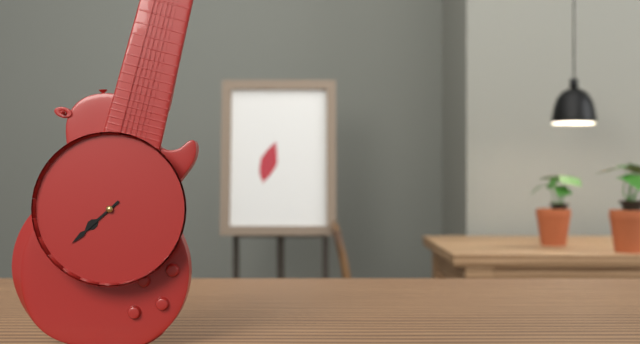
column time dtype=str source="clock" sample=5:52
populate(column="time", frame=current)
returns 7:38
